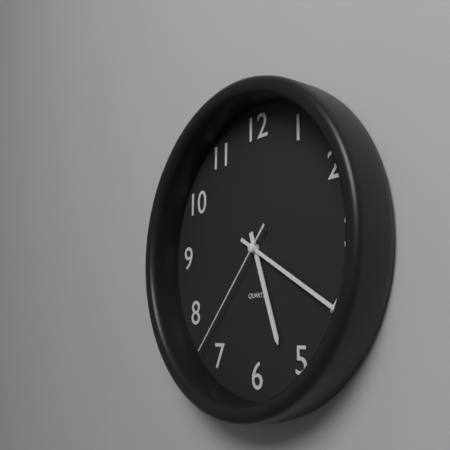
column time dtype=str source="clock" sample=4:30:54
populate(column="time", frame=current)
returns 5:20:37
